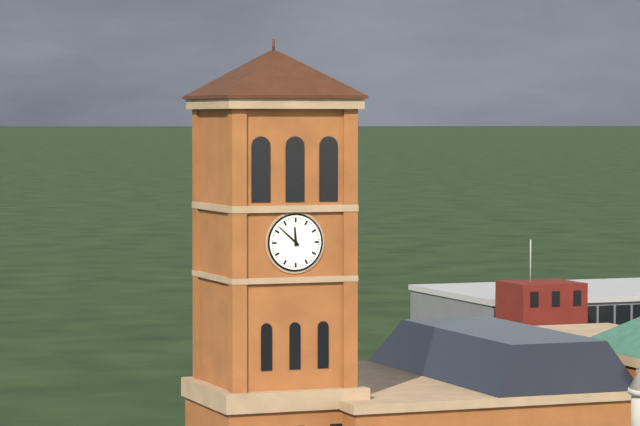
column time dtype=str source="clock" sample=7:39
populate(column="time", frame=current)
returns 11:52
